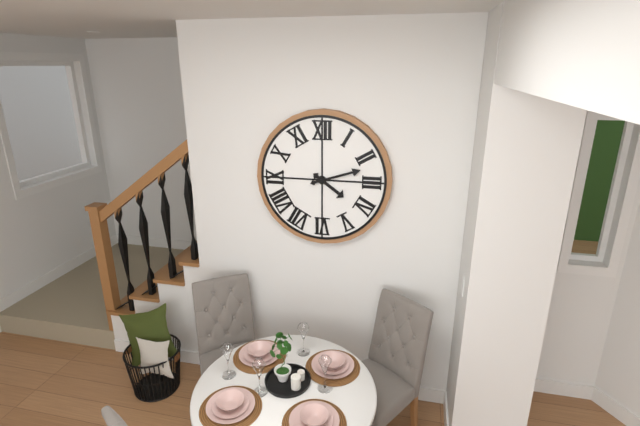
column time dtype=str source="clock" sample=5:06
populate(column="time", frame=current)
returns 4:12
